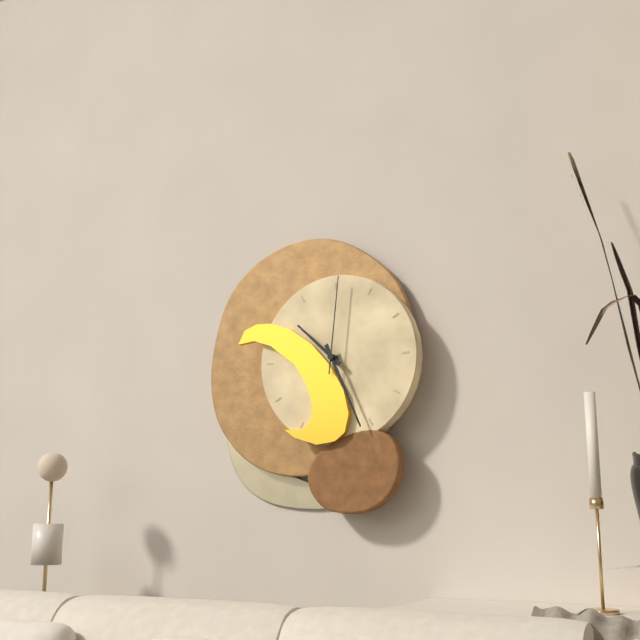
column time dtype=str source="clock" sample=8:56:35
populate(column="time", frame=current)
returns 10:26:01
